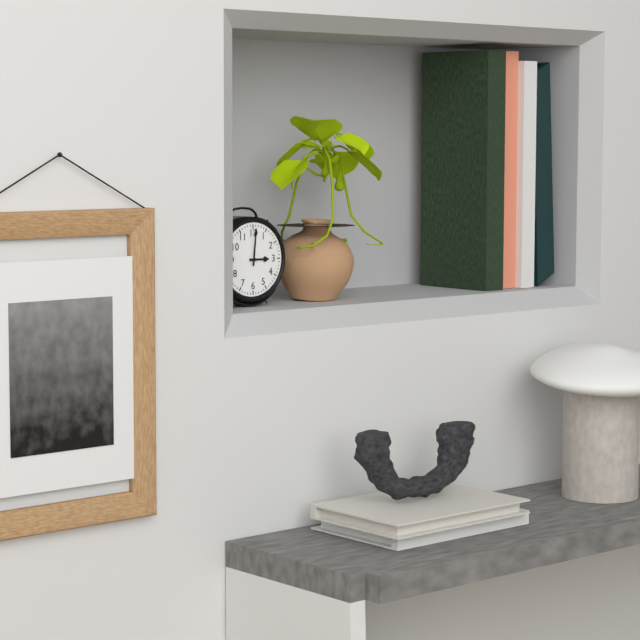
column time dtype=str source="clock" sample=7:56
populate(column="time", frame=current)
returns 3:01
